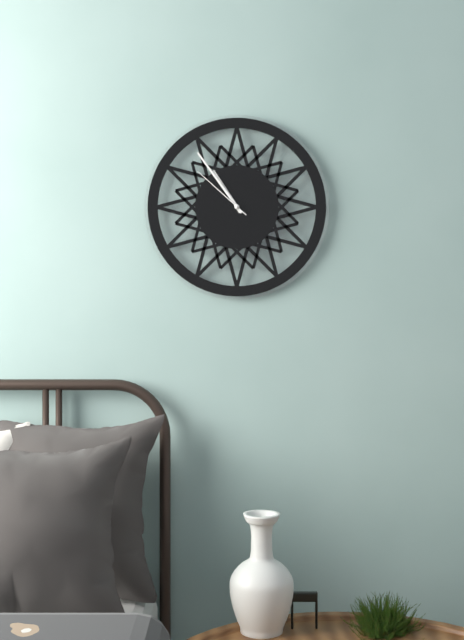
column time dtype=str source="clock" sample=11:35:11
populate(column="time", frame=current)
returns 10:54:52
